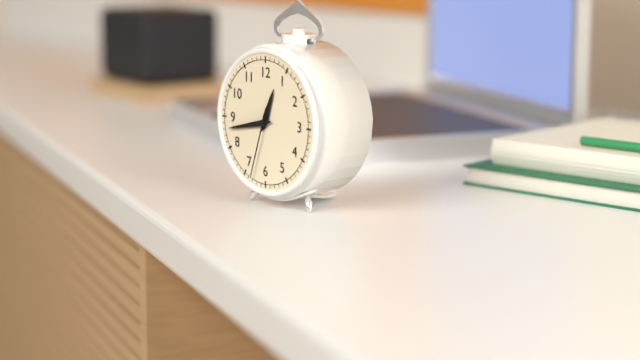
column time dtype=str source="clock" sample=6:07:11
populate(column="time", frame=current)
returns 12:43:33
